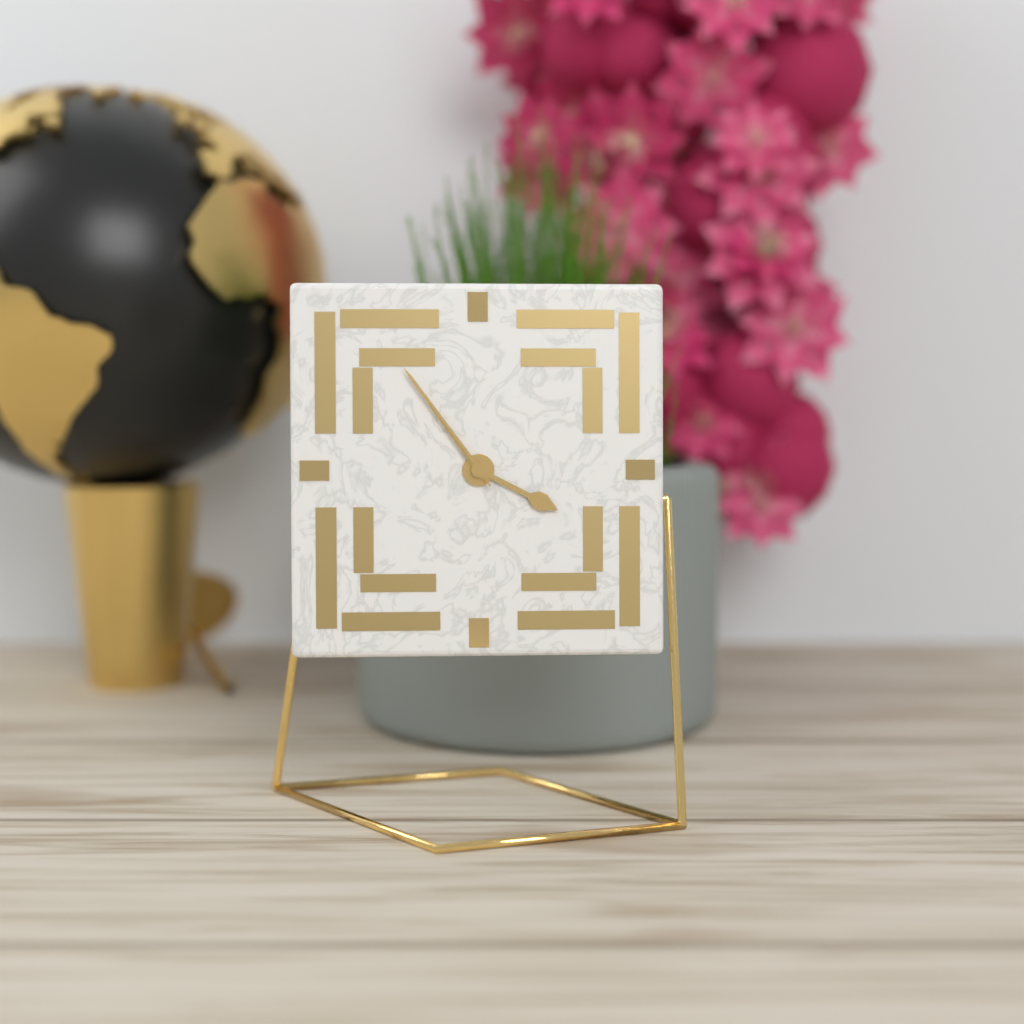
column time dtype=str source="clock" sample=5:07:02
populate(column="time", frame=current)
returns 3:54:54
